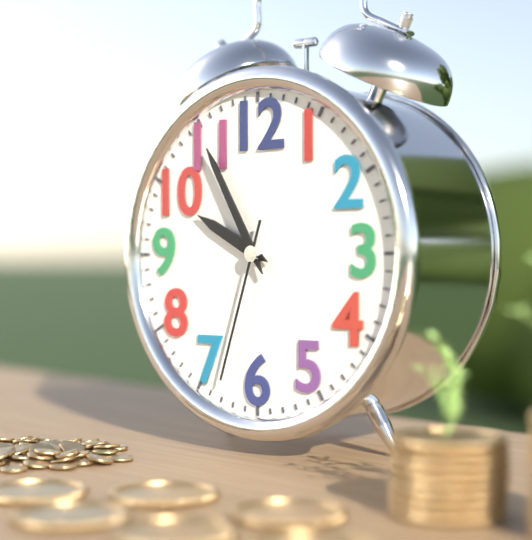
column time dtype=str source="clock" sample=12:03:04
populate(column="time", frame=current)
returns 9:55:33
